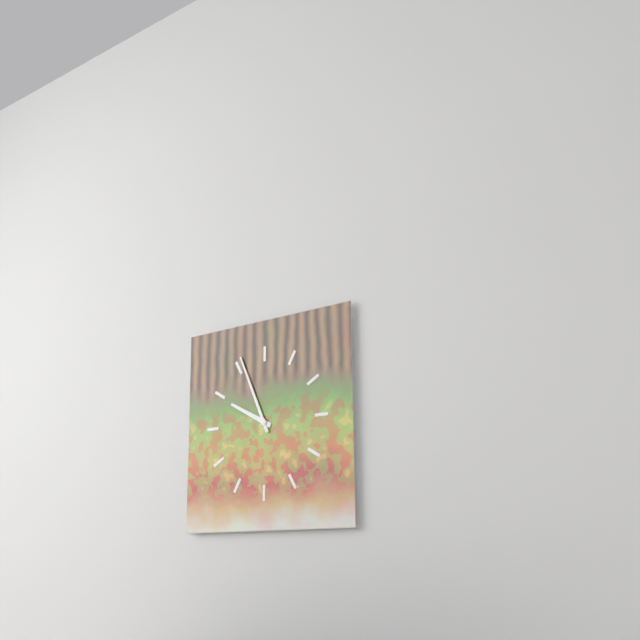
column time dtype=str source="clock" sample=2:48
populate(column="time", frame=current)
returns 9:56
